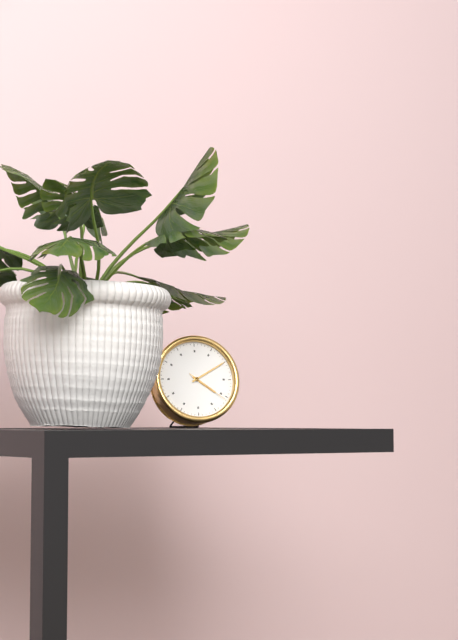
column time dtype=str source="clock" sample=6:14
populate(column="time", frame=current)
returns 4:10
